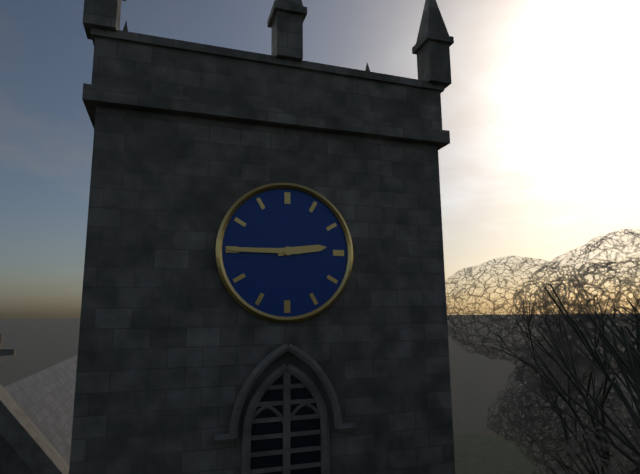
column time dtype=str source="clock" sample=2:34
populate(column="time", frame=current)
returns 2:45
